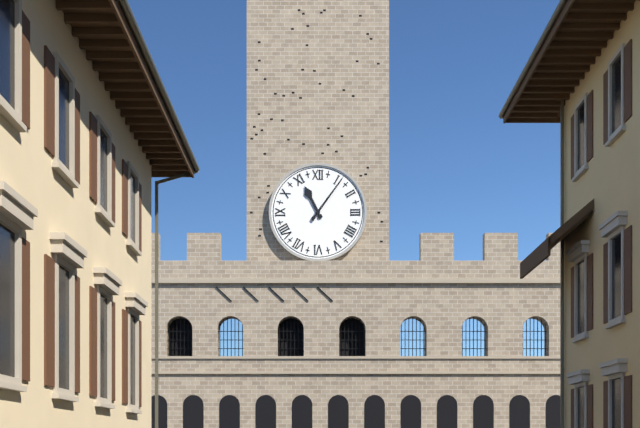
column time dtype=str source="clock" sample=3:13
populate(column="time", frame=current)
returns 11:06
